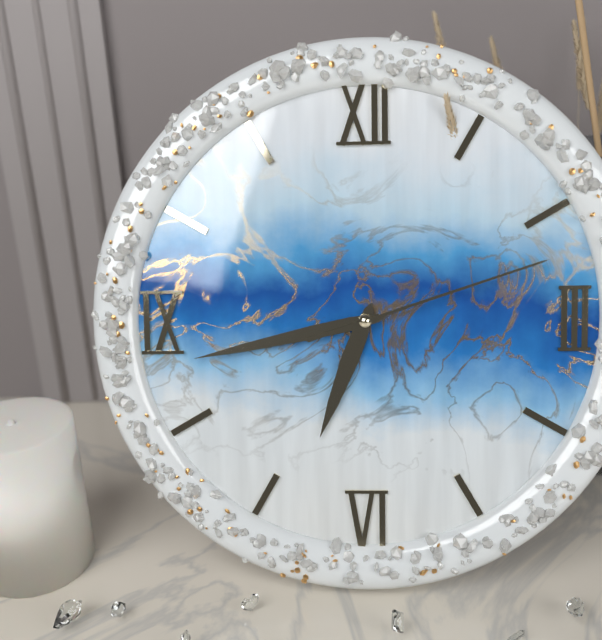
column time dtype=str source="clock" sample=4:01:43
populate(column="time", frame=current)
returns 6:43:12
